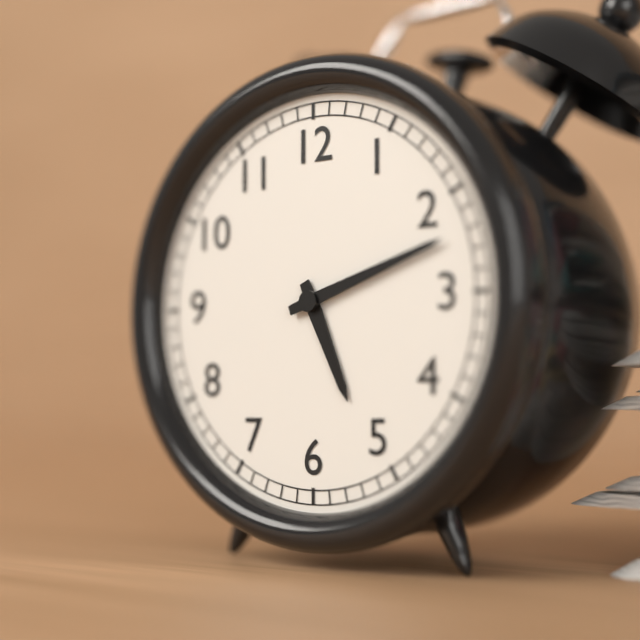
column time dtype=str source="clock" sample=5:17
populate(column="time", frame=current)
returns 5:12
